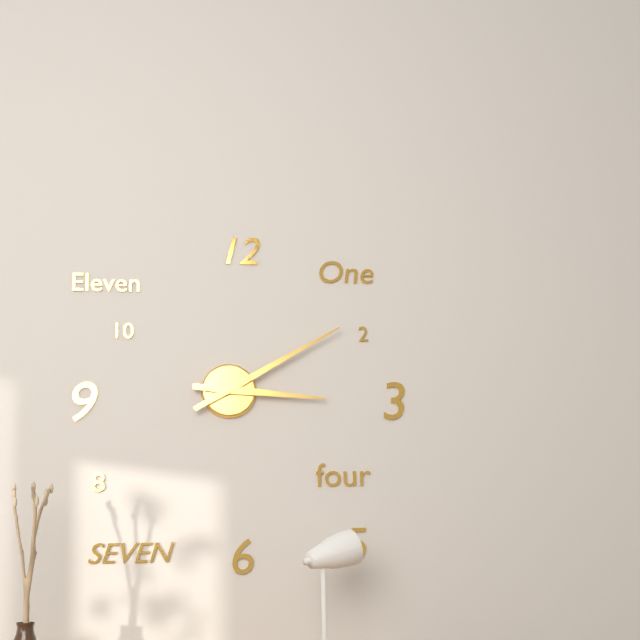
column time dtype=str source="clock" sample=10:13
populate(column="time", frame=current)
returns 3:10
